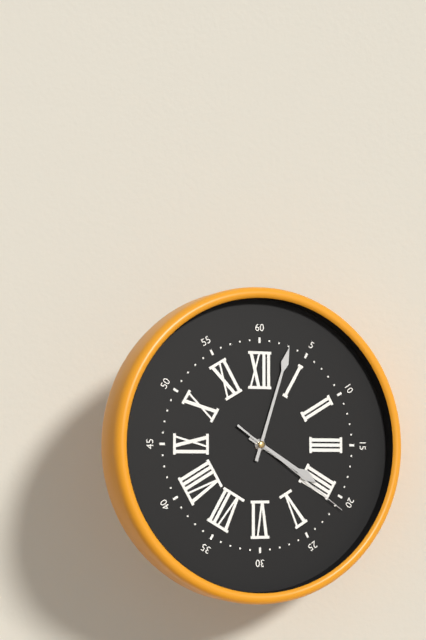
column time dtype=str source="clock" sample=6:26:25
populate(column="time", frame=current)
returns 4:03:21
